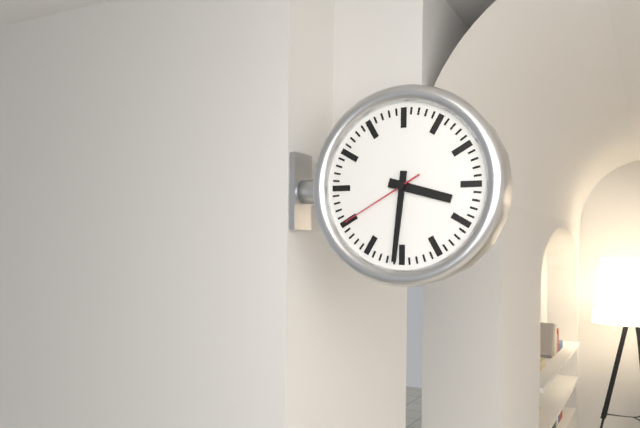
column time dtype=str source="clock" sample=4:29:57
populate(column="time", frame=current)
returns 3:31:40
